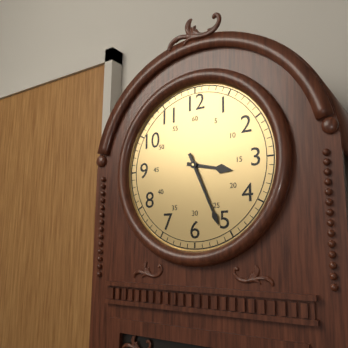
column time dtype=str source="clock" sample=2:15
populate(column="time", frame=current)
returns 3:26
